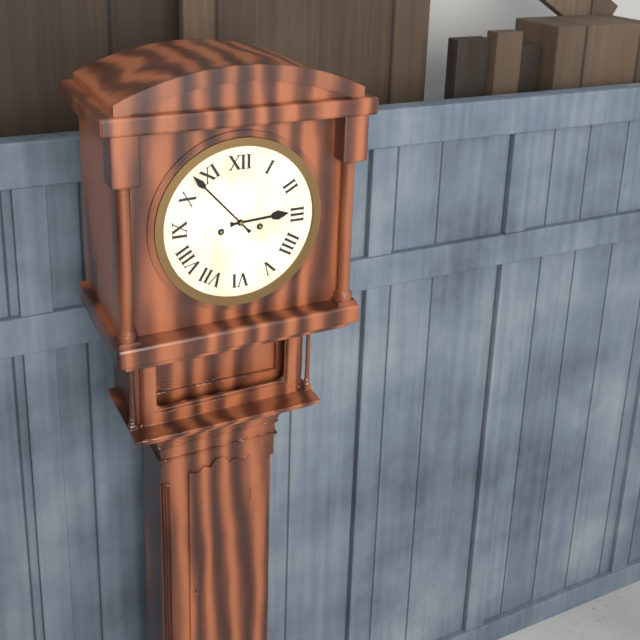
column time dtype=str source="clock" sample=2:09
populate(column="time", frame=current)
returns 2:53
